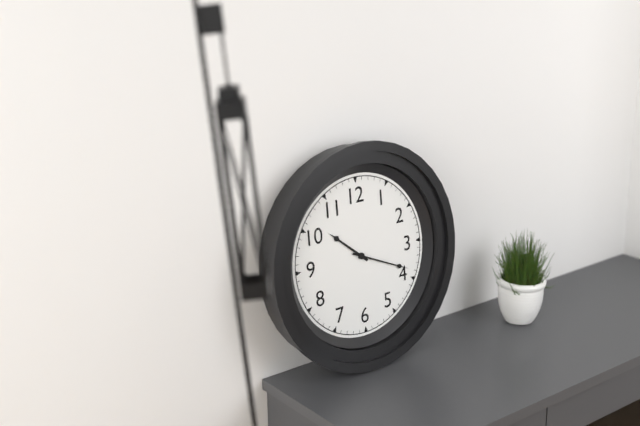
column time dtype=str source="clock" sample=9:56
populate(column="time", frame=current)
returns 10:19
